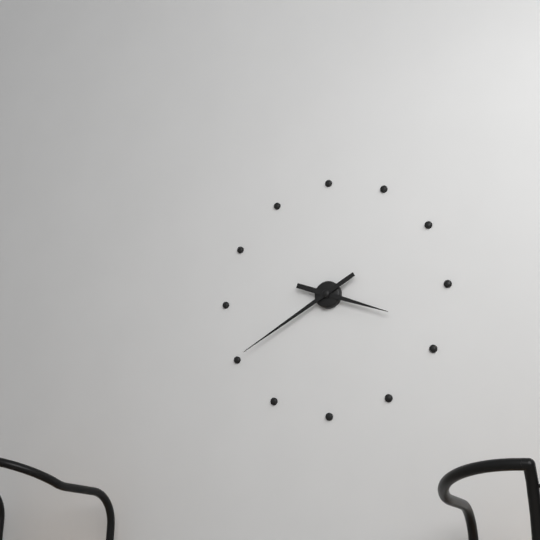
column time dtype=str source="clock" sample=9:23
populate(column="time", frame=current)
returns 3:40
